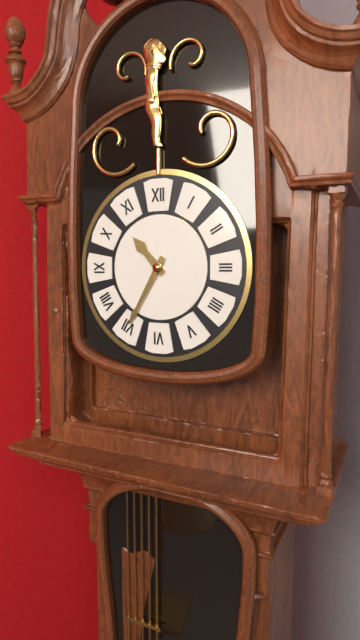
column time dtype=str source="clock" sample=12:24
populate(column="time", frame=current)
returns 10:35
